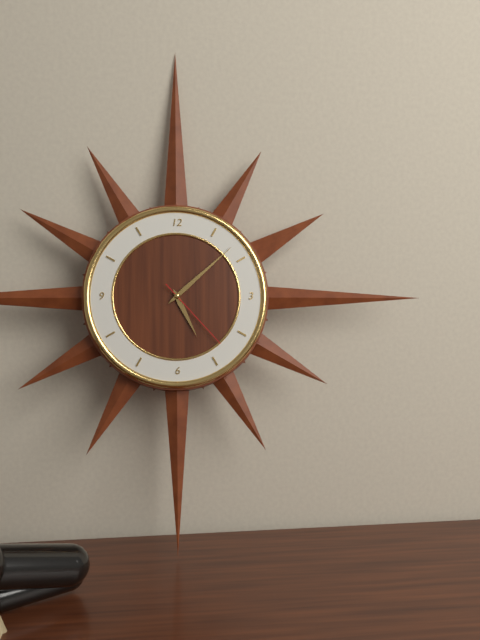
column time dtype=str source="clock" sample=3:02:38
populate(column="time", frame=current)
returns 5:08:23
